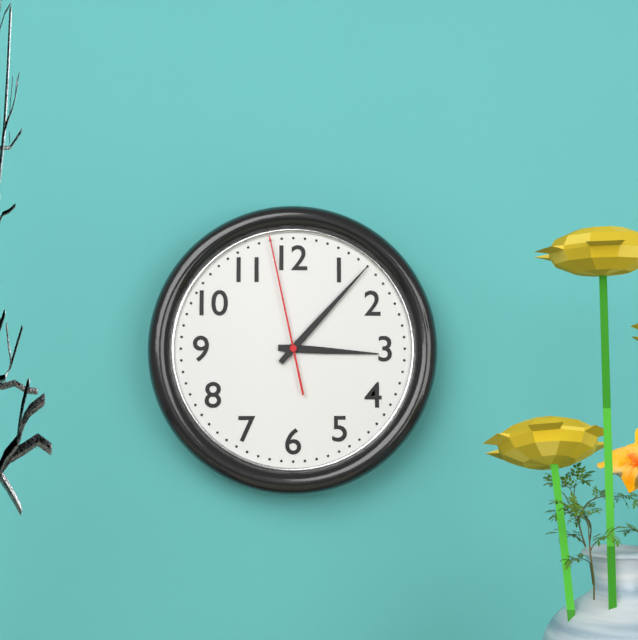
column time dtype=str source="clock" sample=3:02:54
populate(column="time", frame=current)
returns 3:07:58
